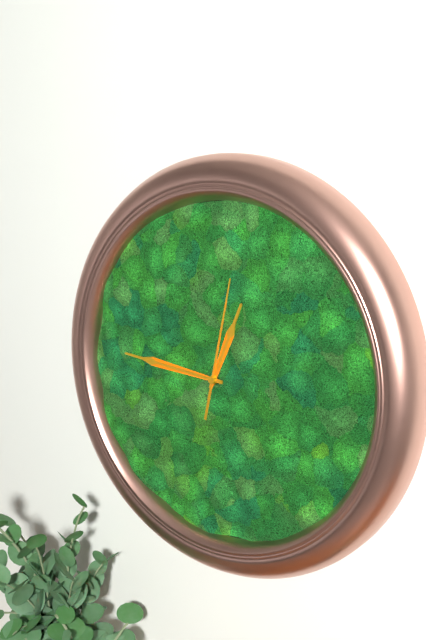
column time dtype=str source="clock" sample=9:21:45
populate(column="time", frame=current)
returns 12:46:02
